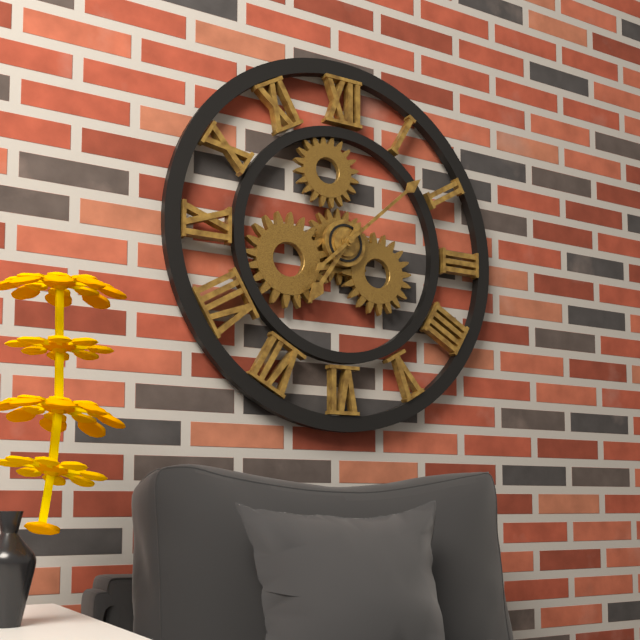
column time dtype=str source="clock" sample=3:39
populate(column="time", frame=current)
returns 7:08
